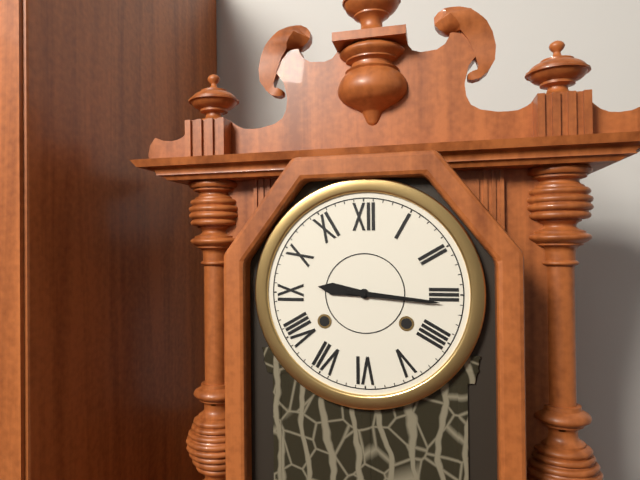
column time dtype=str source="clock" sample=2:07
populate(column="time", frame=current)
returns 9:16
